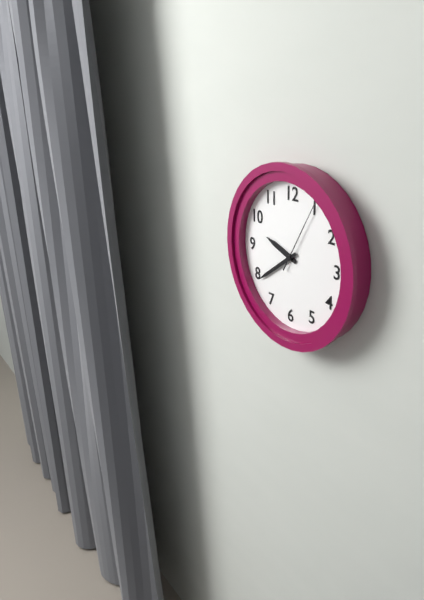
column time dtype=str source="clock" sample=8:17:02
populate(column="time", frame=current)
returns 9:39:05
